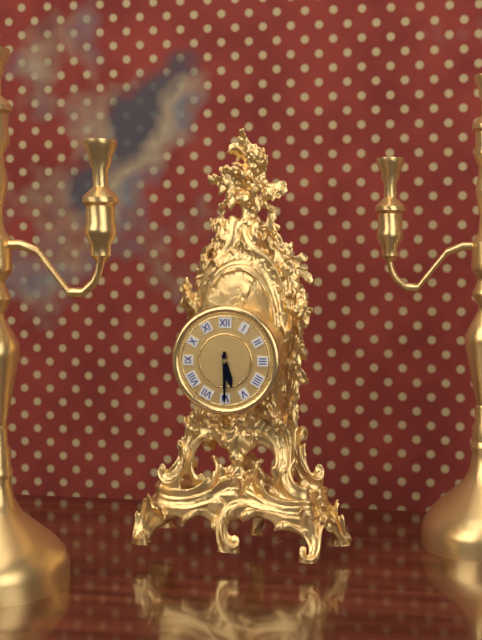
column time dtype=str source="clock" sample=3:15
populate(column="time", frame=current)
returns 5:30
